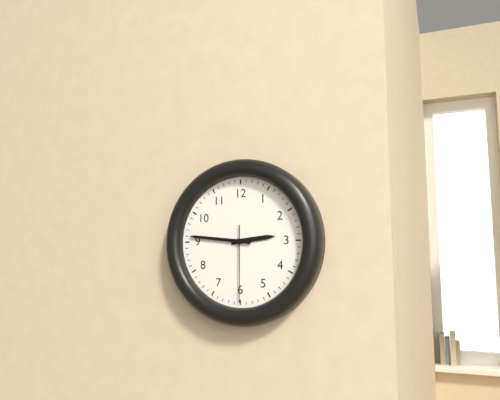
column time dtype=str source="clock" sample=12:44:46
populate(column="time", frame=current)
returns 2:46:30
